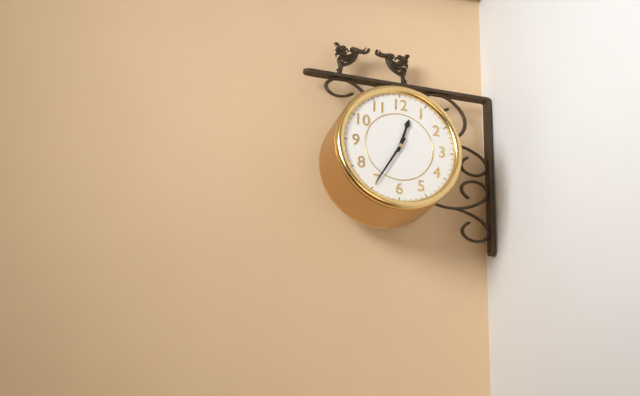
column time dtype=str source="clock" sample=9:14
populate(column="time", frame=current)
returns 12:35
